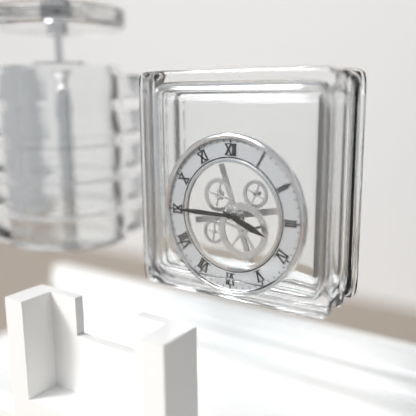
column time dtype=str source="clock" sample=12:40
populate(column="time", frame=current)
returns 3:45
